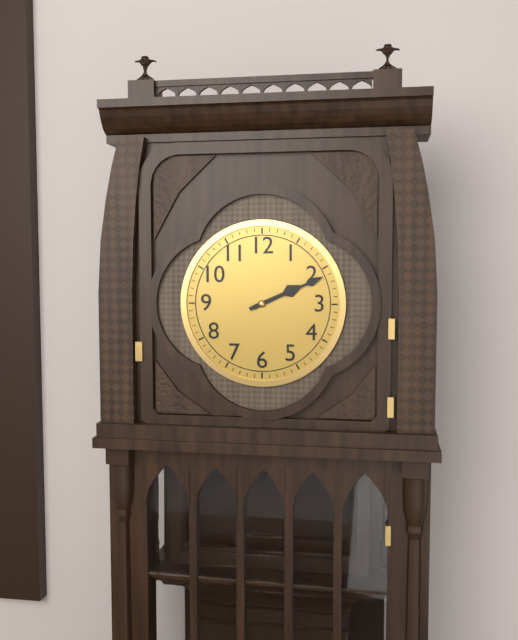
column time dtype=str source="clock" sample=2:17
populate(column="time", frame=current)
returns 2:11
